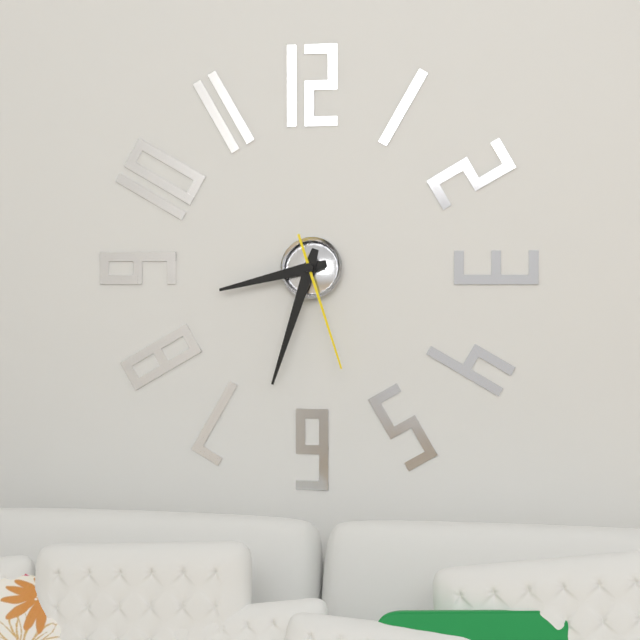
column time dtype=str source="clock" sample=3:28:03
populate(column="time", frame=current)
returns 8:33:27
